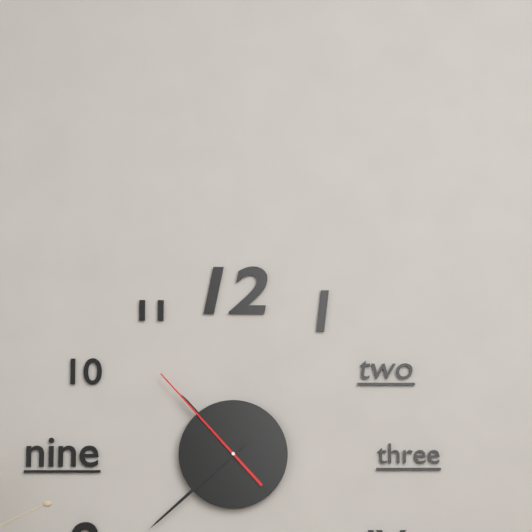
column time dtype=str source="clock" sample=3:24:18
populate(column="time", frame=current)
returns 10:38:53
